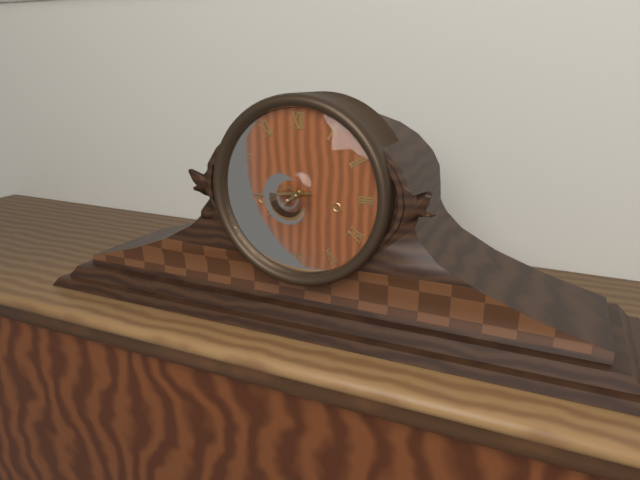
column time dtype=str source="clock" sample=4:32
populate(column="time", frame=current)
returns 7:44
